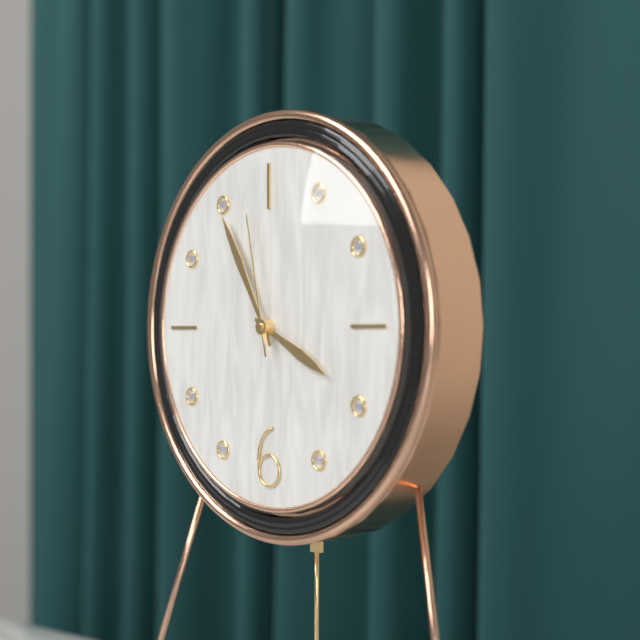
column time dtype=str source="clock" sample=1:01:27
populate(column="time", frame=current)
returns 3:55:58
